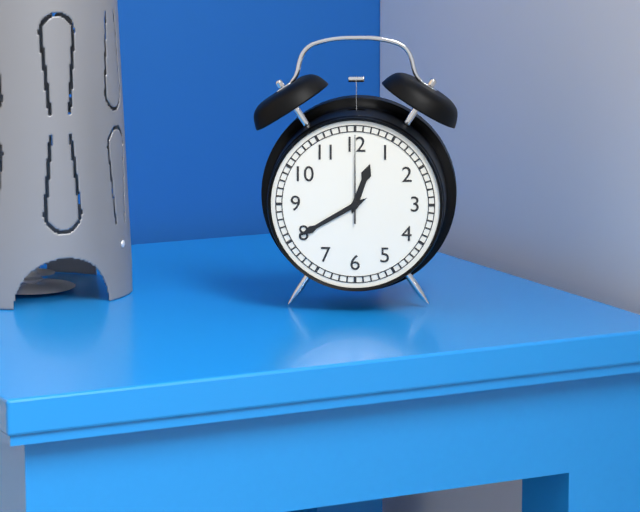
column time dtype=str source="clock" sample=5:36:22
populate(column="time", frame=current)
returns 12:40:00
